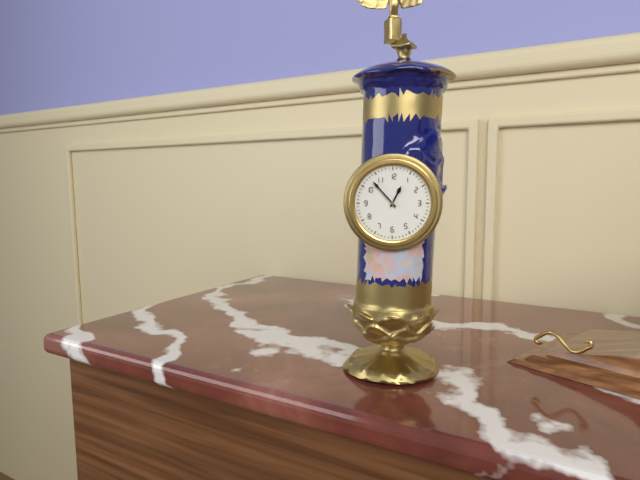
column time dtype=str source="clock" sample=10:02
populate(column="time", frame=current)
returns 12:53
